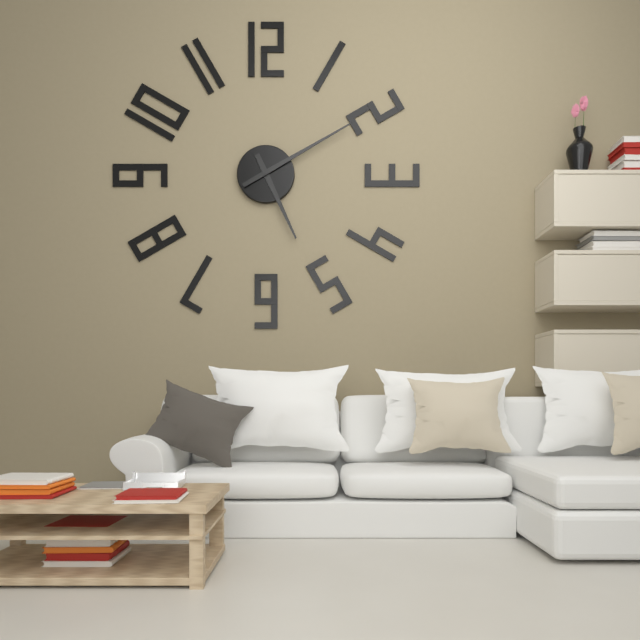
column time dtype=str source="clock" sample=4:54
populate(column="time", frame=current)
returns 5:10
